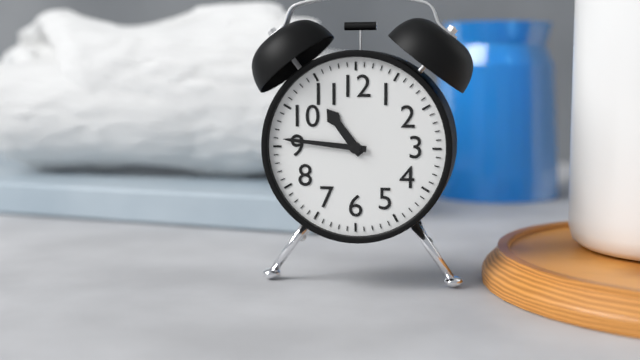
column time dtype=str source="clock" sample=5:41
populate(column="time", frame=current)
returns 10:46
